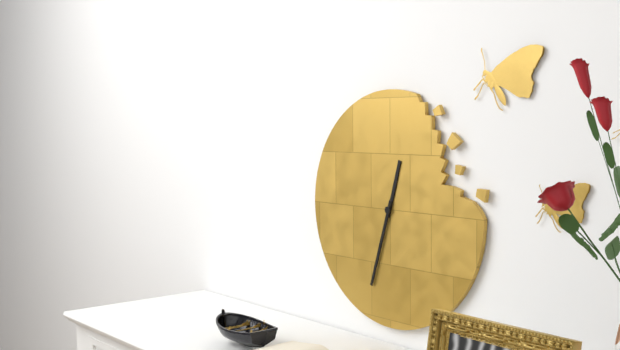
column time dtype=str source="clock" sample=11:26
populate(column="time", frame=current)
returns 12:33
